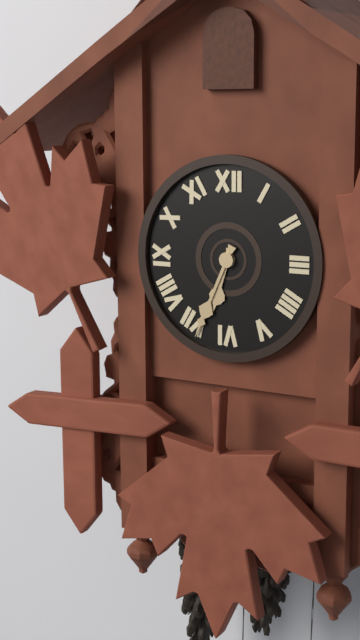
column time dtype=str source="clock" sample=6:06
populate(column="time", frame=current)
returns 6:34
